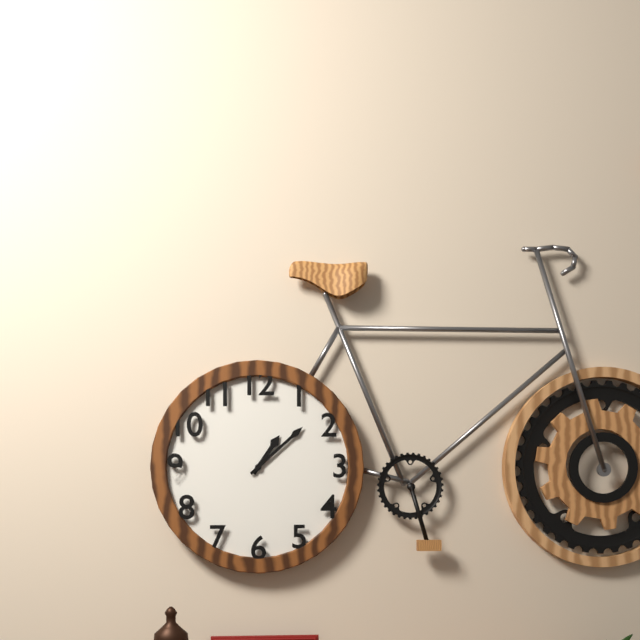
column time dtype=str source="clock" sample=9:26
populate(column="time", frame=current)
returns 1:08
